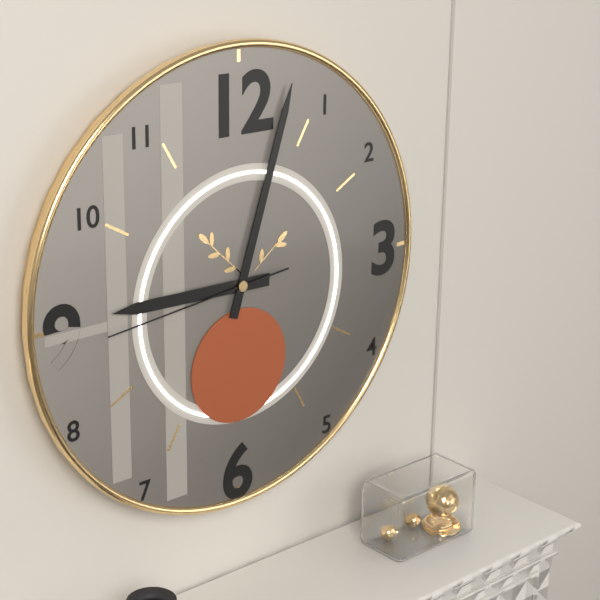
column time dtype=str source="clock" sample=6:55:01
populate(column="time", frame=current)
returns 9:03:44
